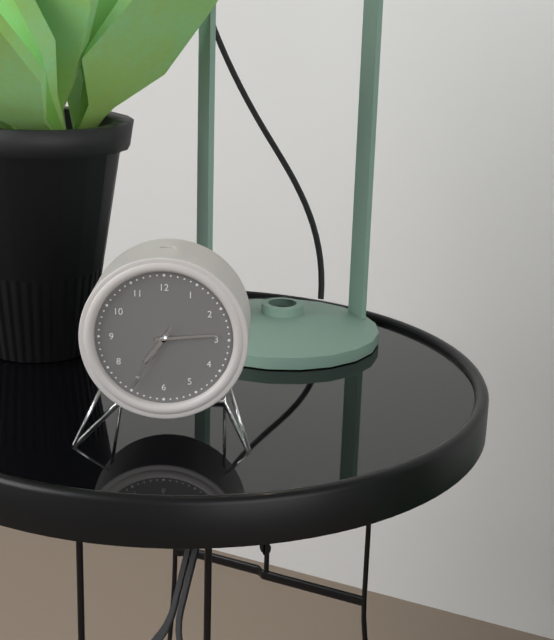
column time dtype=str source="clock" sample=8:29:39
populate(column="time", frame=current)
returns 7:14:35
